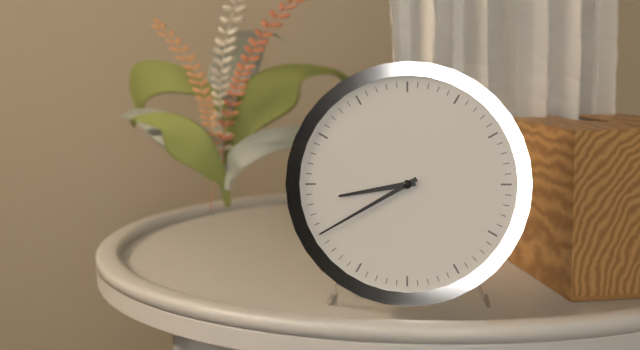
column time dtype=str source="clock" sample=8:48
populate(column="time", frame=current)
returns 8:40
